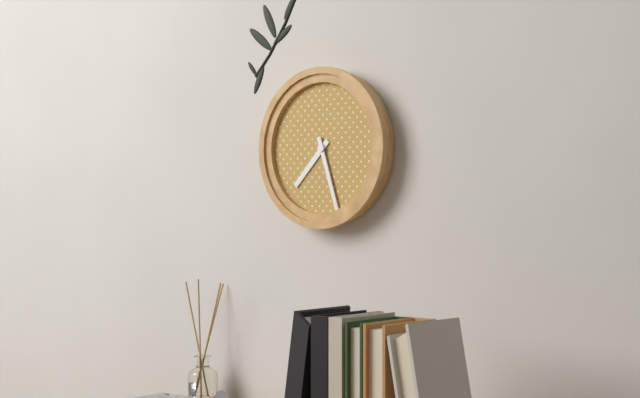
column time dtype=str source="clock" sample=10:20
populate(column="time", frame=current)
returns 7:27
